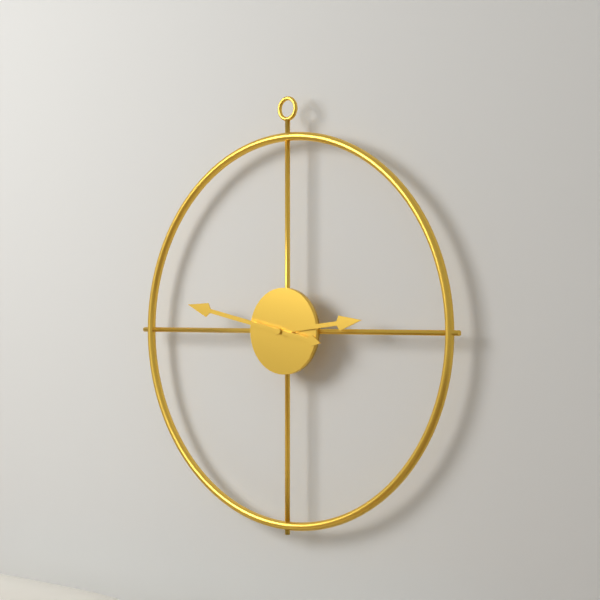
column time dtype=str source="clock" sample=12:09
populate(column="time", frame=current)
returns 2:47
